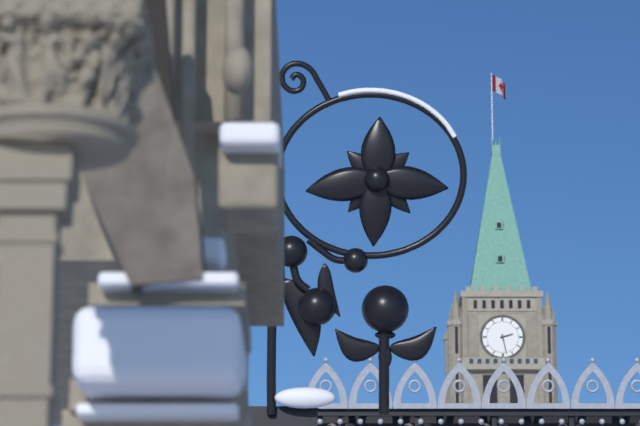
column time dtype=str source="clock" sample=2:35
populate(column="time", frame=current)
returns 2:28
